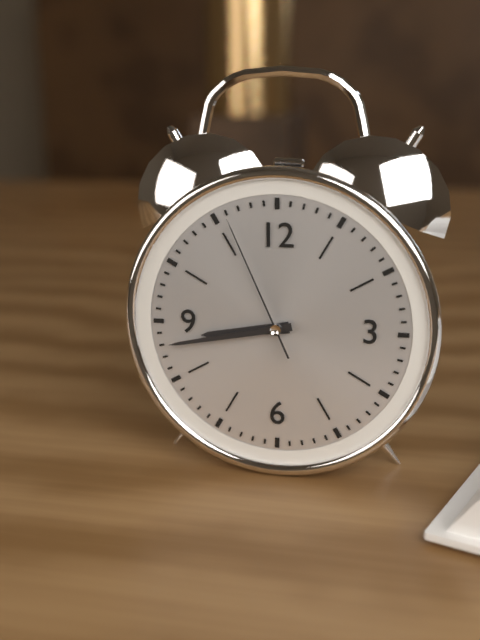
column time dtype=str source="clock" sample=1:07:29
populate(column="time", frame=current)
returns 8:43:56
